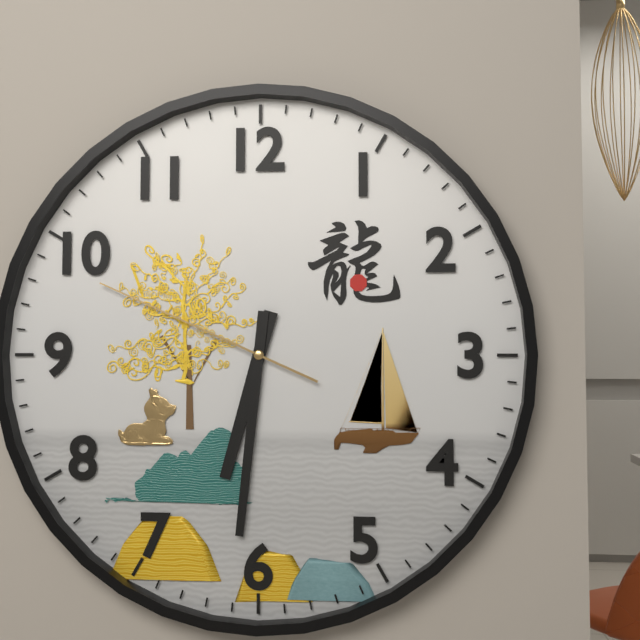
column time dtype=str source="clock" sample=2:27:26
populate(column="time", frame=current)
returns 6:31:49
